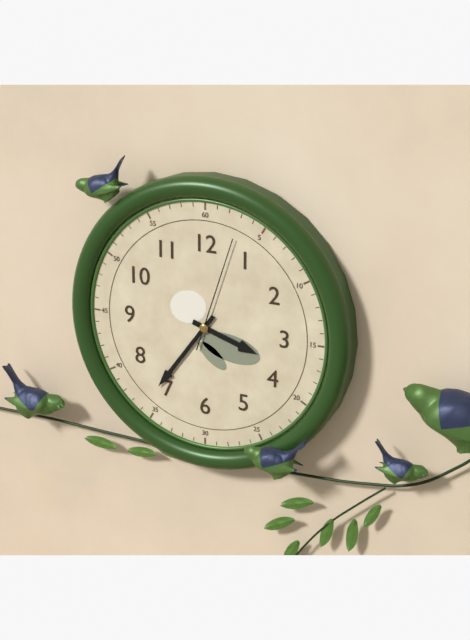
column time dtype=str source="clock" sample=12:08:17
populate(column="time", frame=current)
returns 3:36:03
